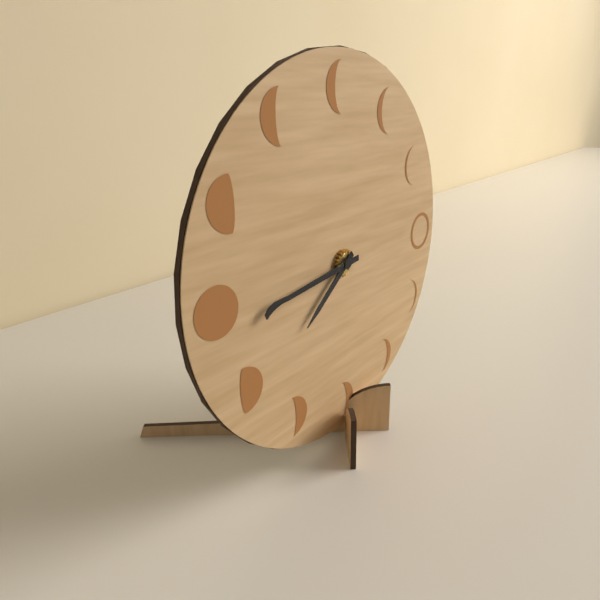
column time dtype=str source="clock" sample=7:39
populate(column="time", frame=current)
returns 7:44
